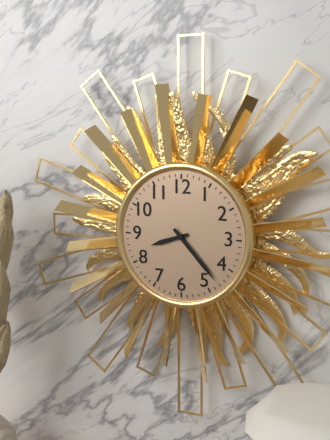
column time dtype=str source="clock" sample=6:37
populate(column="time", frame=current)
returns 8:23
